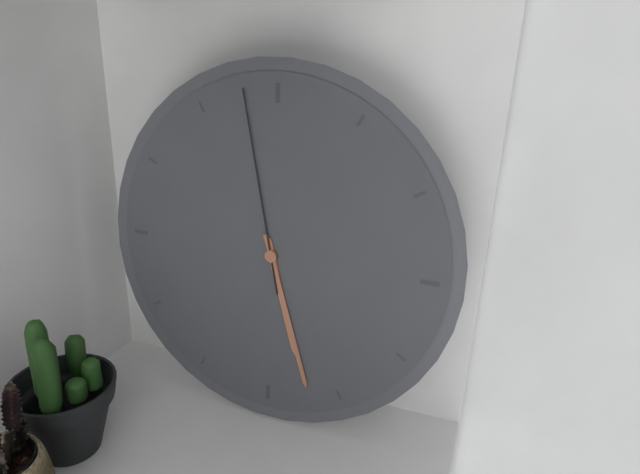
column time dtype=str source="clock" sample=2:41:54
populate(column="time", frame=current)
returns 5:27:58
